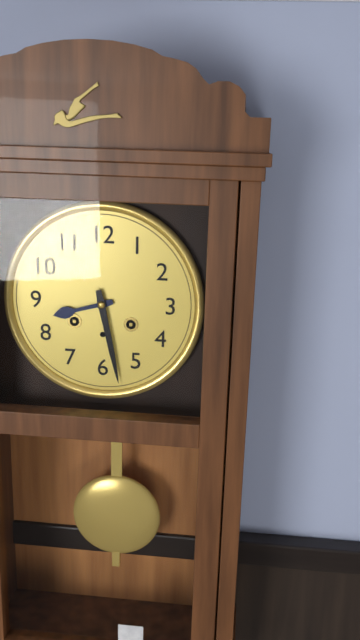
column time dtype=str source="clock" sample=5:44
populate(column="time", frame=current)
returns 8:28
